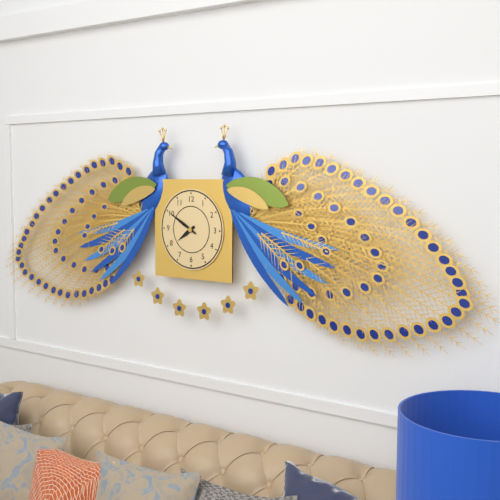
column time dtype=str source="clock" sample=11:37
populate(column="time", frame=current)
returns 7:50
